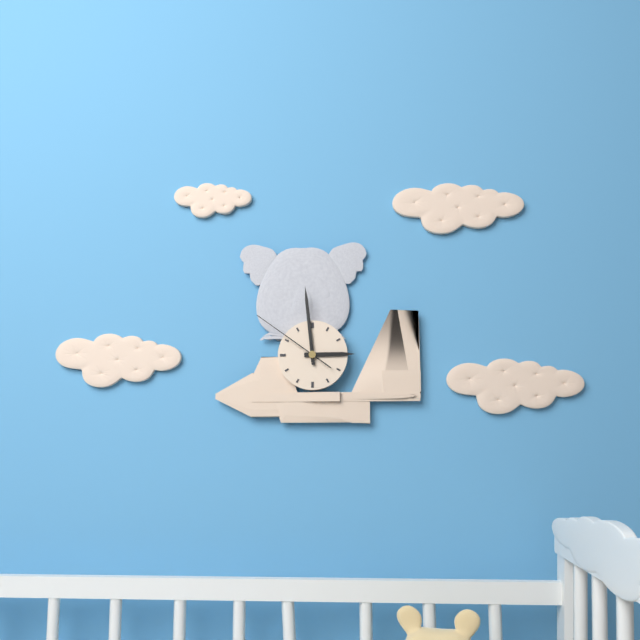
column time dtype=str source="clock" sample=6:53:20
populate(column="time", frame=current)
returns 2:59:51
